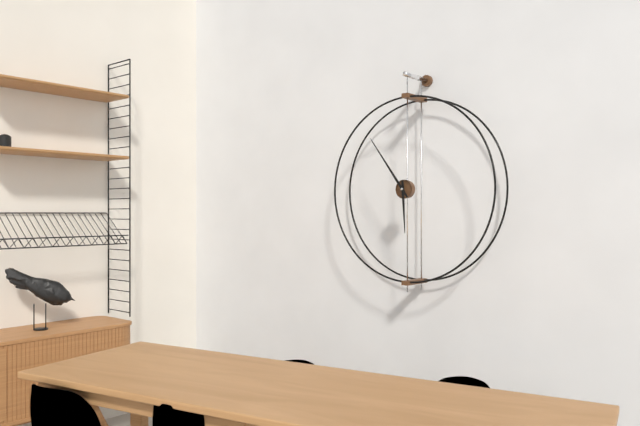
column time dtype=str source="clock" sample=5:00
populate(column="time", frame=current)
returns 5:54
